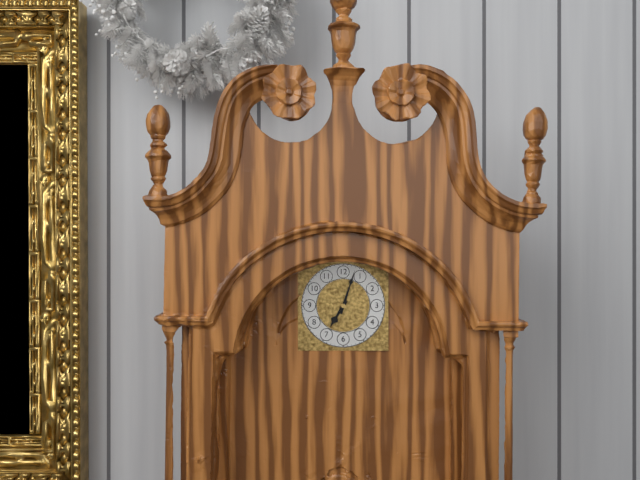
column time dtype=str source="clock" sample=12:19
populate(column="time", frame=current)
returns 7:03
